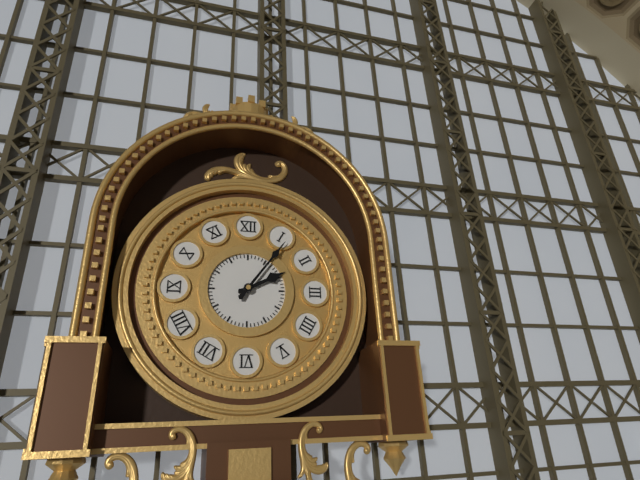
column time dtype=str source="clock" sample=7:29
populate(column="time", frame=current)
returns 2:06
